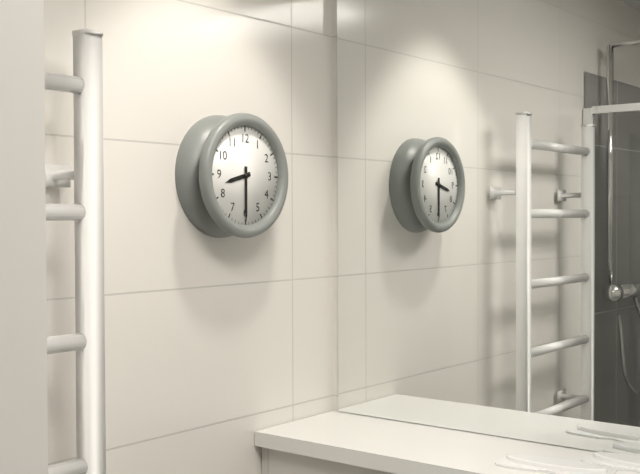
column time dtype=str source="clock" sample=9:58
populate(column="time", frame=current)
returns 8:30
